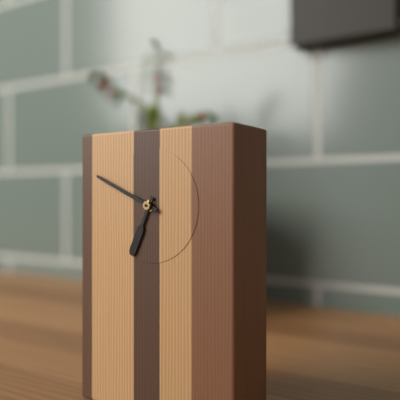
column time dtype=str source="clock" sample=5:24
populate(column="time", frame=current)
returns 6:49
